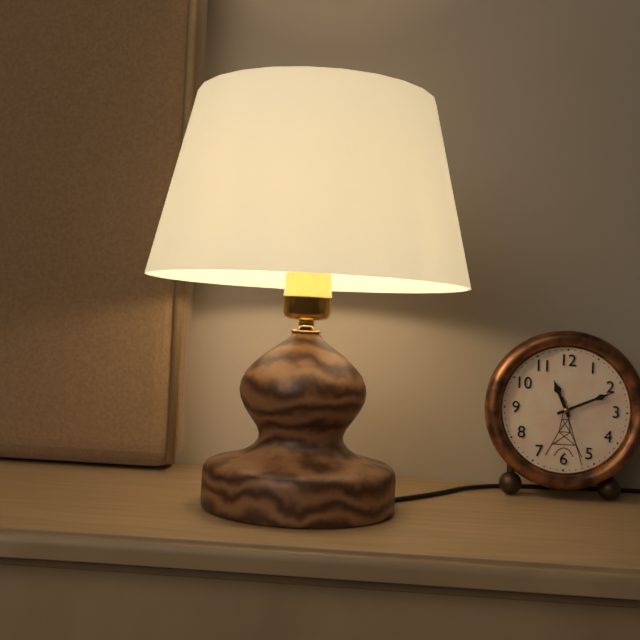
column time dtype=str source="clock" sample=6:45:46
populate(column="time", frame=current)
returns 11:11:27
